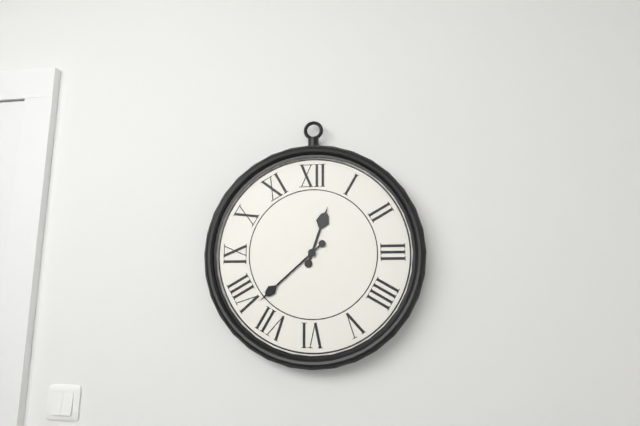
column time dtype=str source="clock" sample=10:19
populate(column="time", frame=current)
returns 12:38
